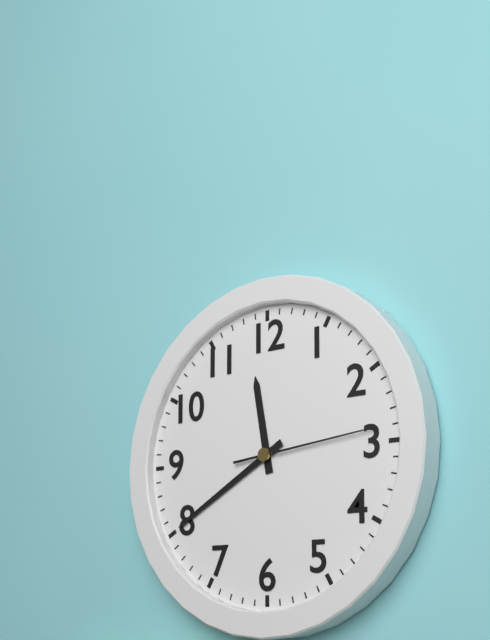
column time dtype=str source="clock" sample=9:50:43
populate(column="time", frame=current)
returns 11:40:14
